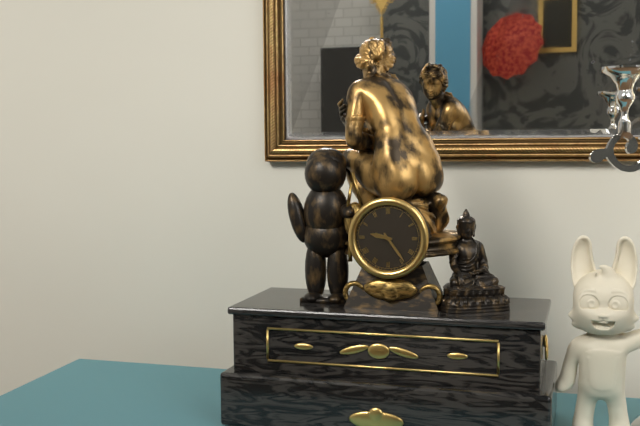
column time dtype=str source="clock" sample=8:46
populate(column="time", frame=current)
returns 9:24
